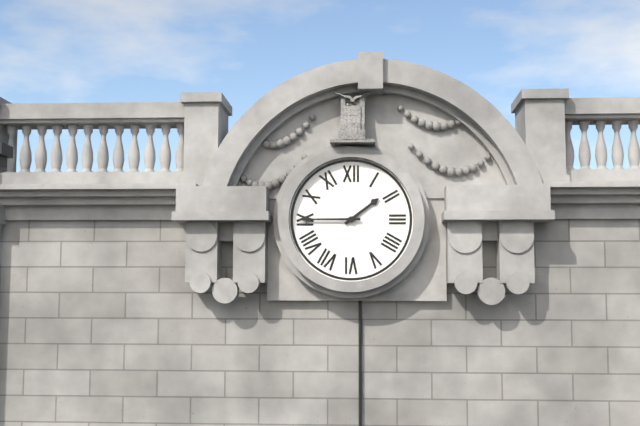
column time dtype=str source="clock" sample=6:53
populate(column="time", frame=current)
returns 1:45
